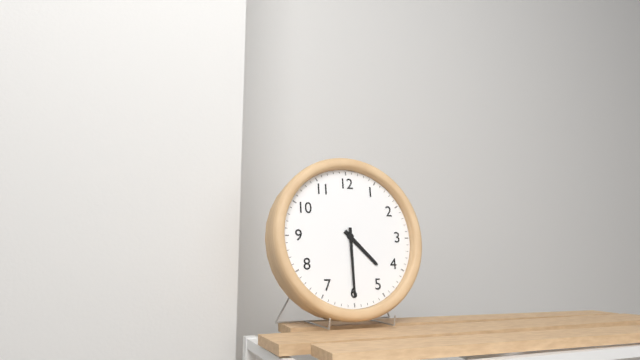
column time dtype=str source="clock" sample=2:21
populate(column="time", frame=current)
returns 4:30
